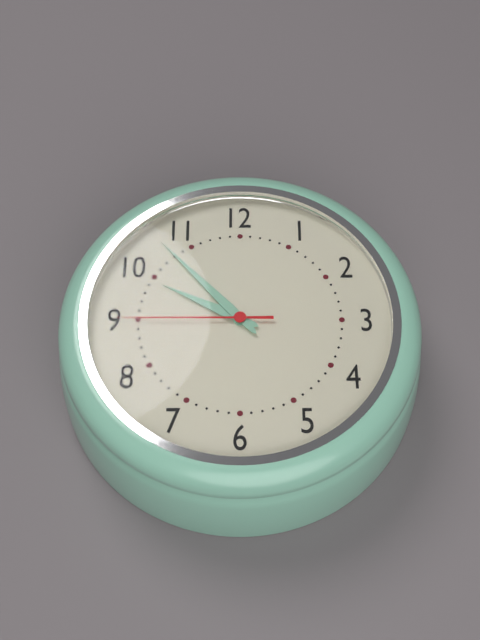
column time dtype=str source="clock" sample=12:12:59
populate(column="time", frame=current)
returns 9:53:45
